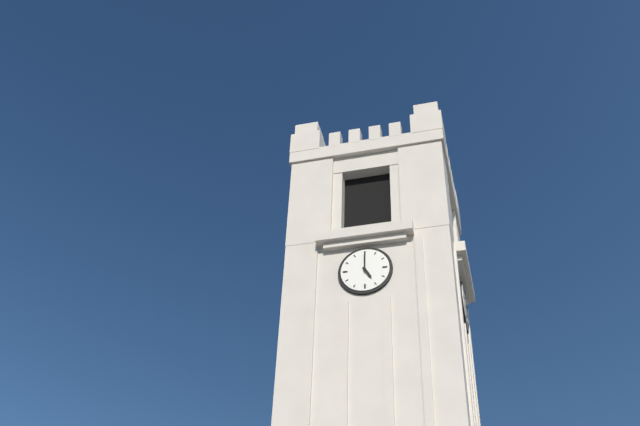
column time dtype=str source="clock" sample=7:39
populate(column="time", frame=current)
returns 5:00
